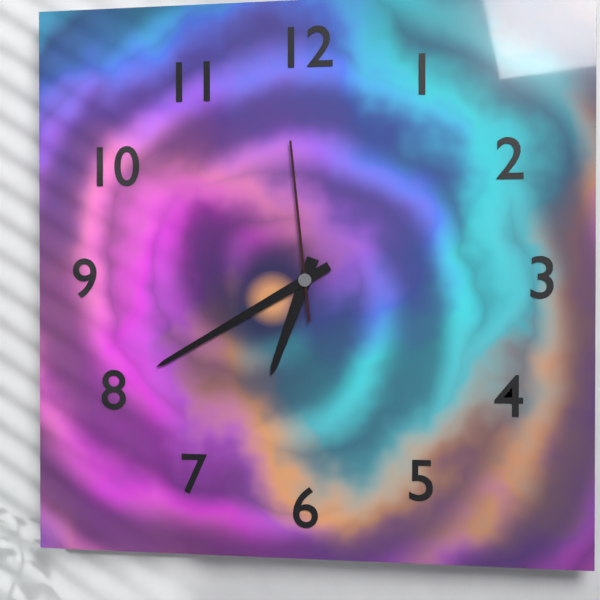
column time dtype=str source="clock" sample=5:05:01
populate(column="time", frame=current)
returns 6:40:59
